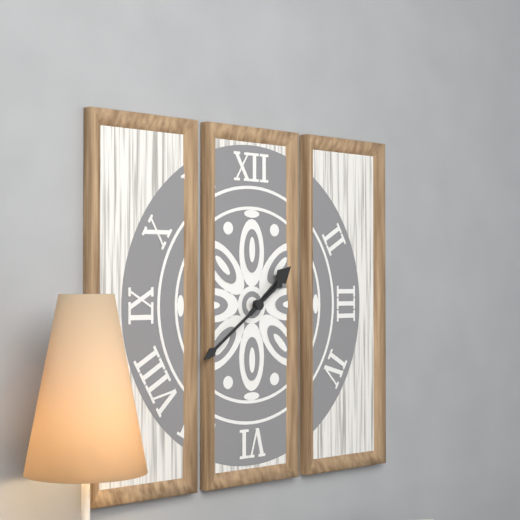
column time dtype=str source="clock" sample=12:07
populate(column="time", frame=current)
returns 1:39
